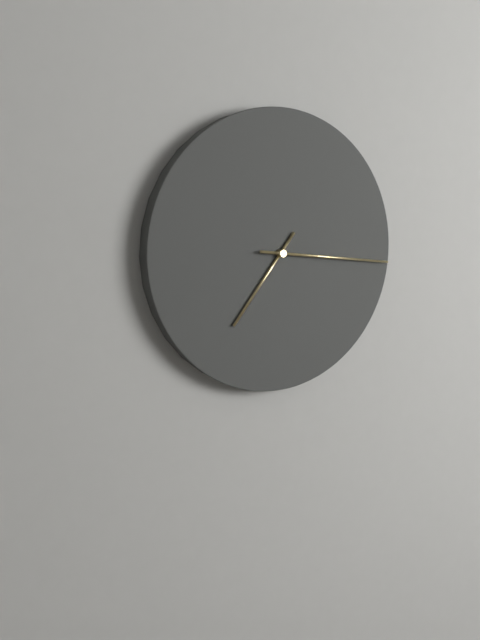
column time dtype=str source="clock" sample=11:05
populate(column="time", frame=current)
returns 7:16
